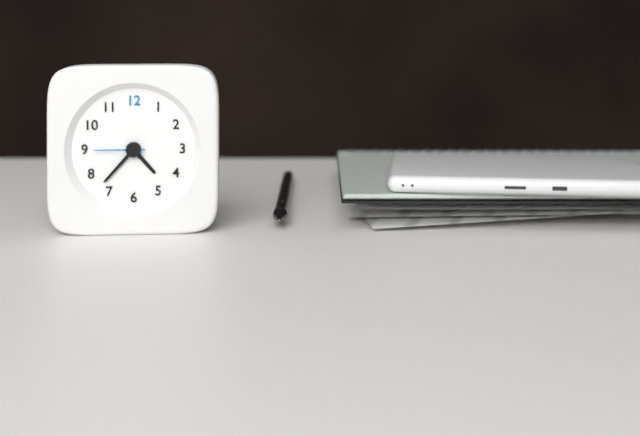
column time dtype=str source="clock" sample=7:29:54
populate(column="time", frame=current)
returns 4:37:45
